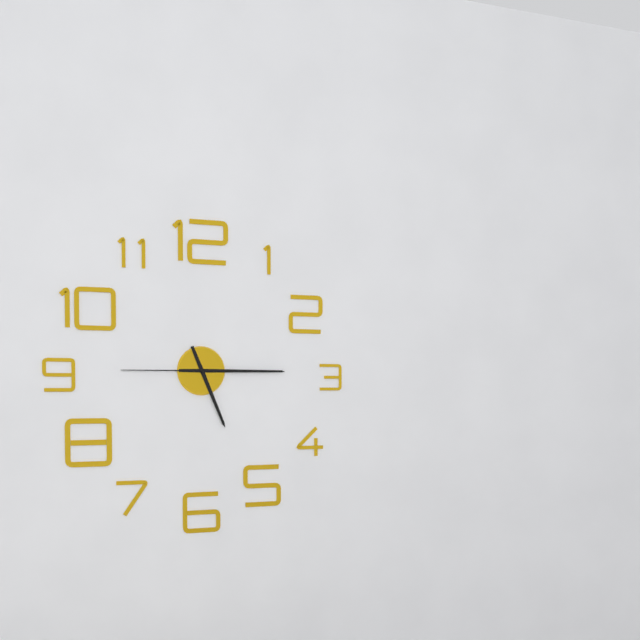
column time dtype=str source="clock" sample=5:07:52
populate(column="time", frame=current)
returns 5:15:45
